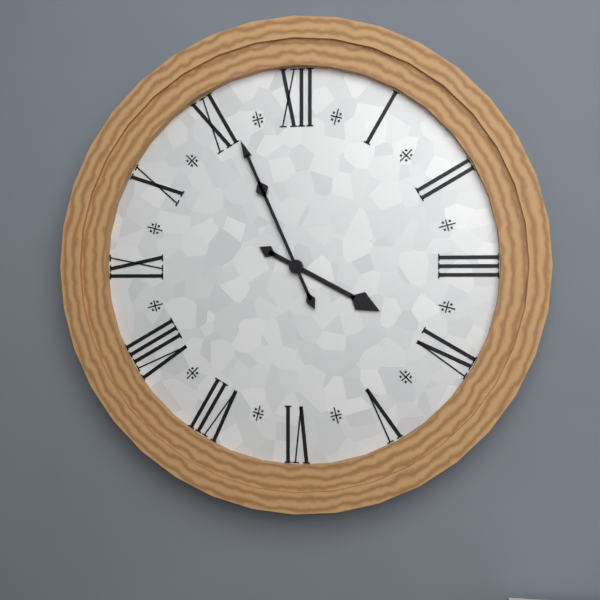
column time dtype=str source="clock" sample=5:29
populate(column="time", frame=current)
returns 3:56
